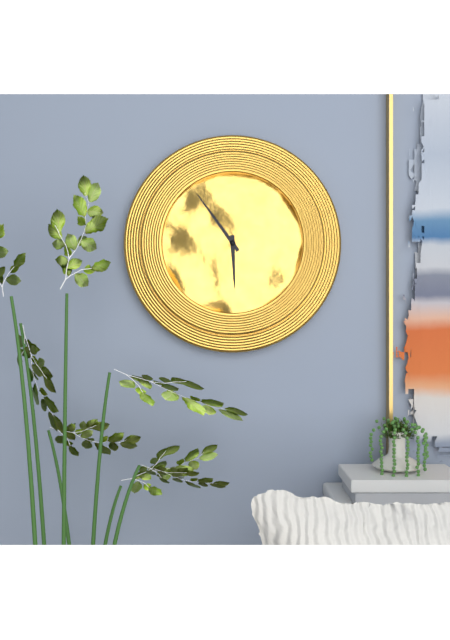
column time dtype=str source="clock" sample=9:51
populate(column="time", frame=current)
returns 5:54
